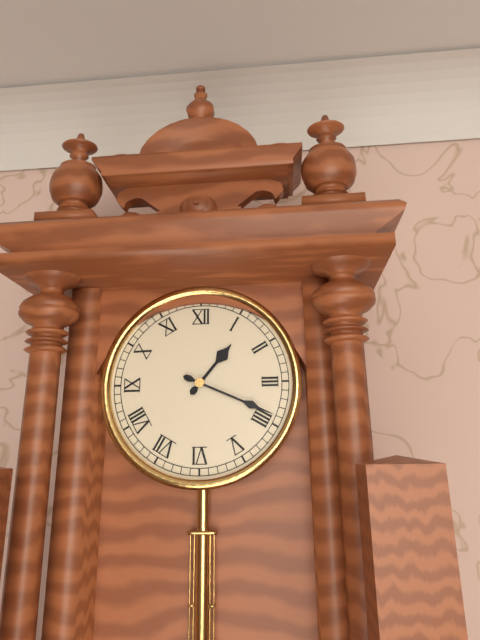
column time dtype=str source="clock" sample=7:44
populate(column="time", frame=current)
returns 1:19
